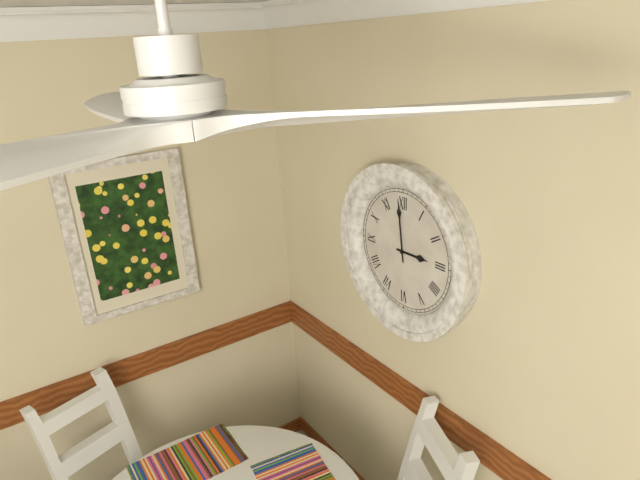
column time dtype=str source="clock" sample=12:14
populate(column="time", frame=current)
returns 2:59
